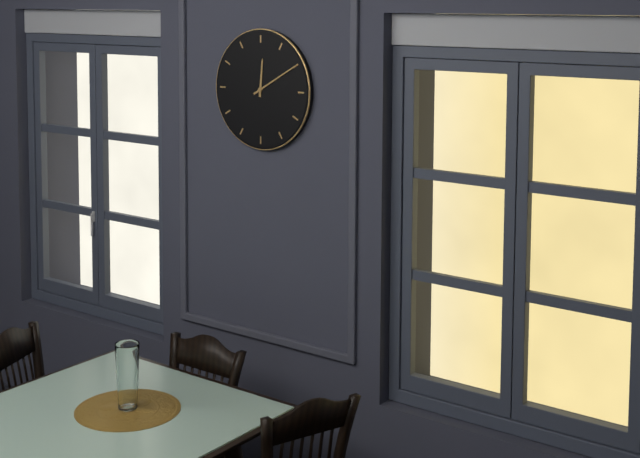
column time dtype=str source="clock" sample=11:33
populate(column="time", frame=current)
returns 12:10
